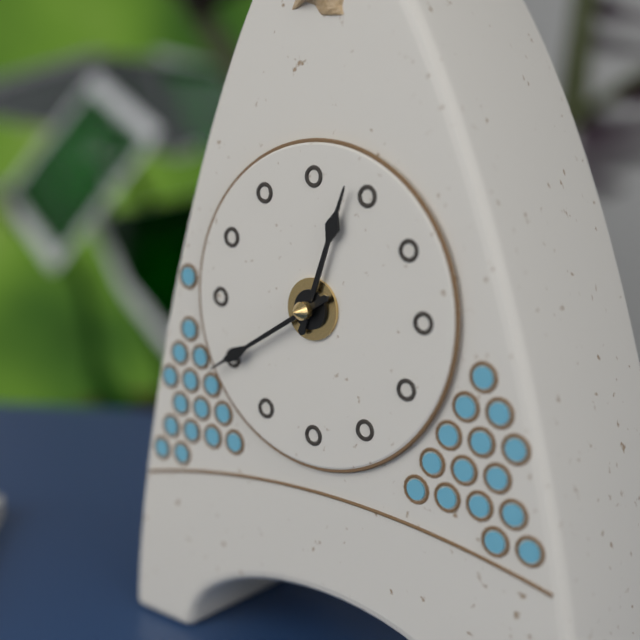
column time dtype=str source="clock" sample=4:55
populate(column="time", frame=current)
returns 12:40
